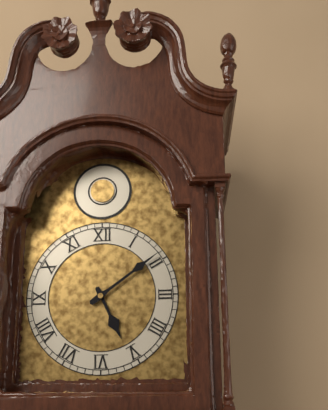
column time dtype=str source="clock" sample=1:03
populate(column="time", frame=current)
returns 5:09
